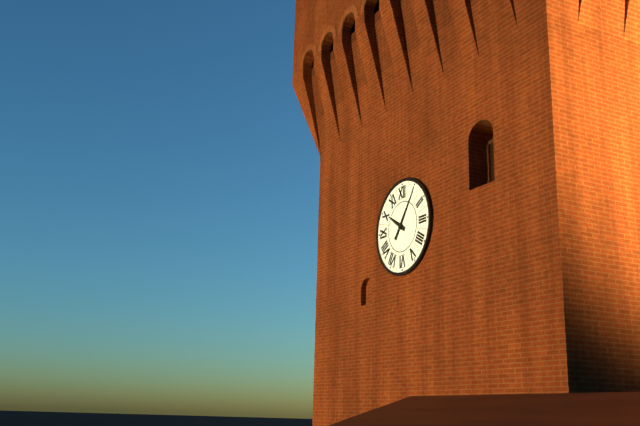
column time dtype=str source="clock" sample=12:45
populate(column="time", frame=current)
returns 10:06
